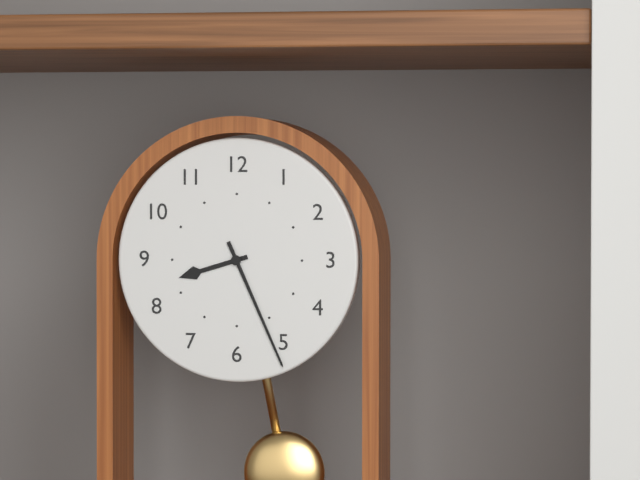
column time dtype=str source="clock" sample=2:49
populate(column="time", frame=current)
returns 8:26
